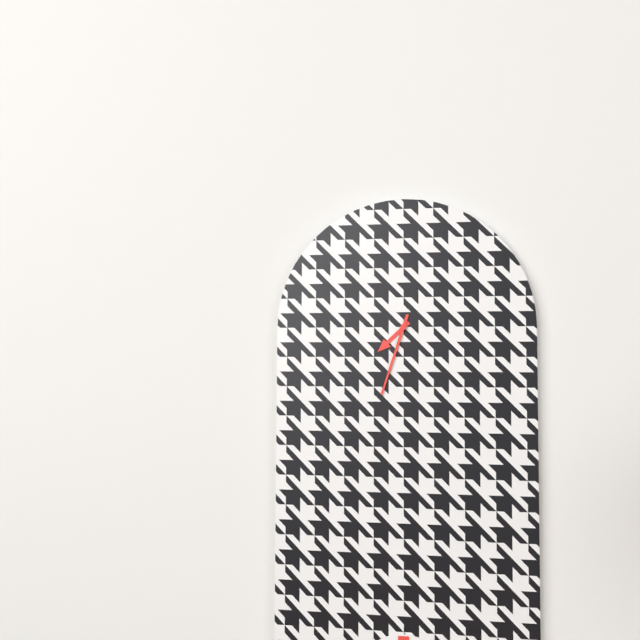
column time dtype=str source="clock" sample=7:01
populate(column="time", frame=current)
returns 7:33
